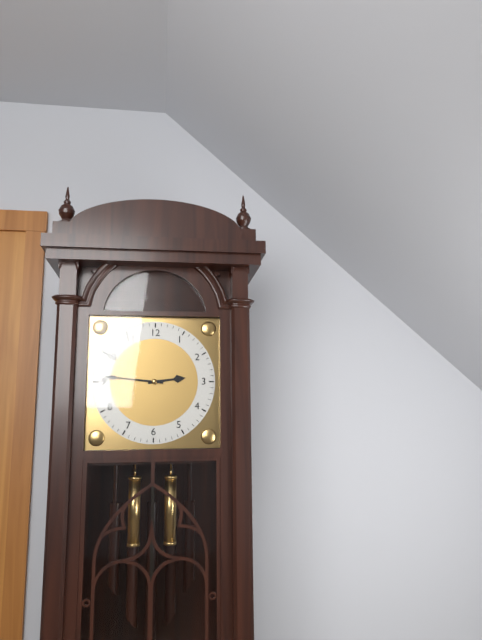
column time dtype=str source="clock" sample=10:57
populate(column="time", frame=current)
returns 2:46
